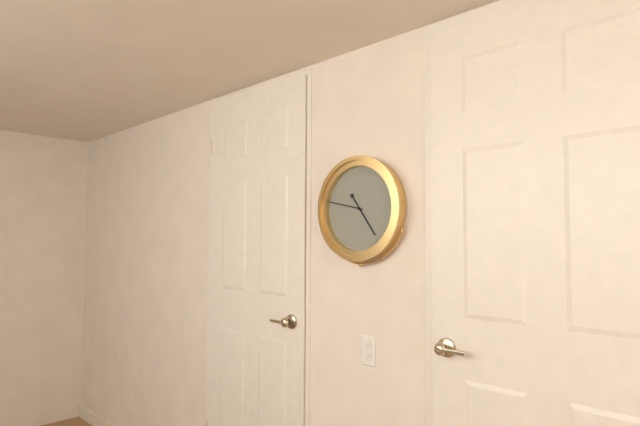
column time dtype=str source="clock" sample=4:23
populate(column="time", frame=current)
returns 4:47
